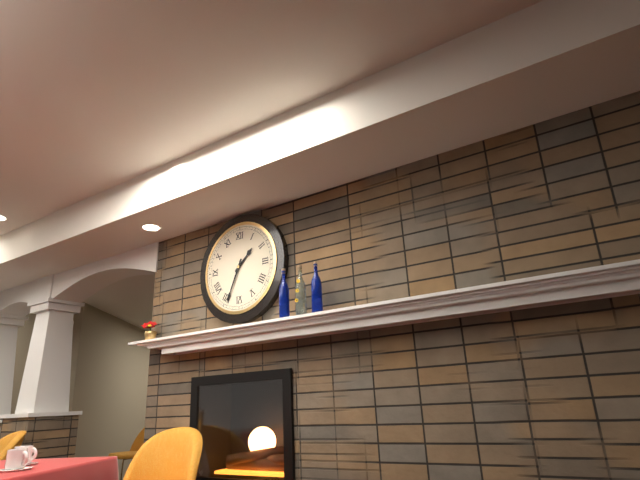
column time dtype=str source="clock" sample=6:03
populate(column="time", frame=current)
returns 1:34
